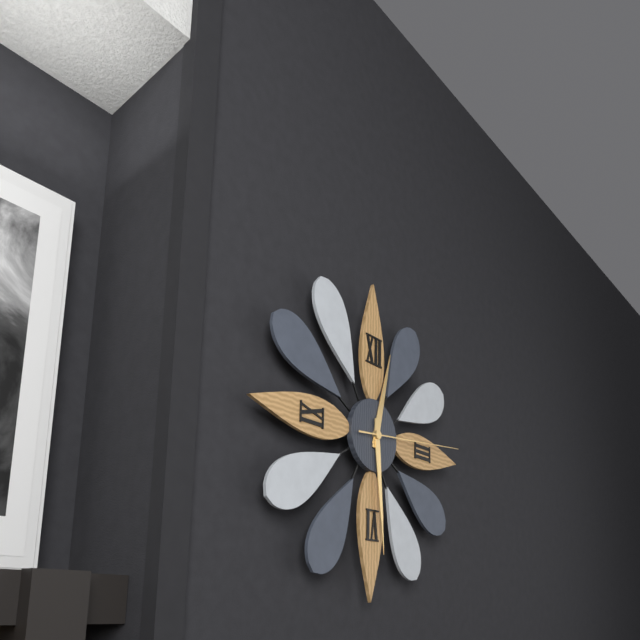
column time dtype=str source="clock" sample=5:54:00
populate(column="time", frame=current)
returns 12:29:14
